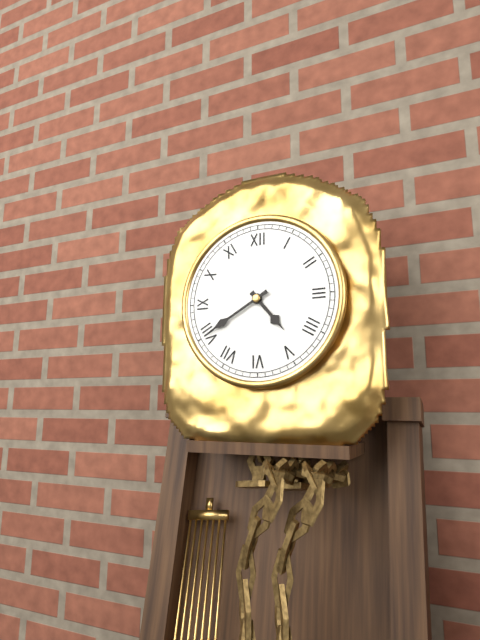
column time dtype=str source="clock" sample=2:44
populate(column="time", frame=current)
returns 4:40
